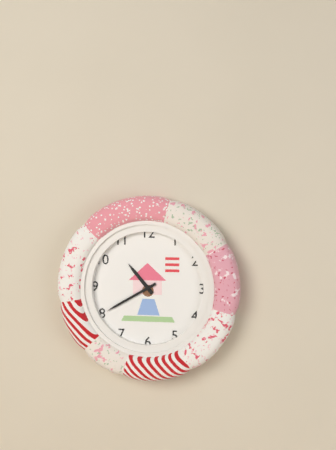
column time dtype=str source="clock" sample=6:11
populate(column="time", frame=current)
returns 10:40
